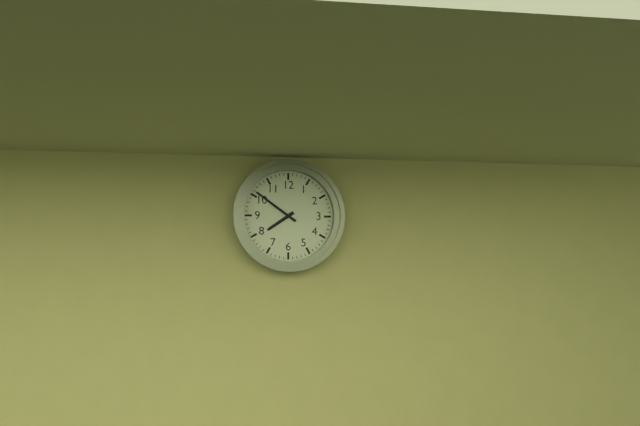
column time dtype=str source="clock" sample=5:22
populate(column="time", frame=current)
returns 7:51
